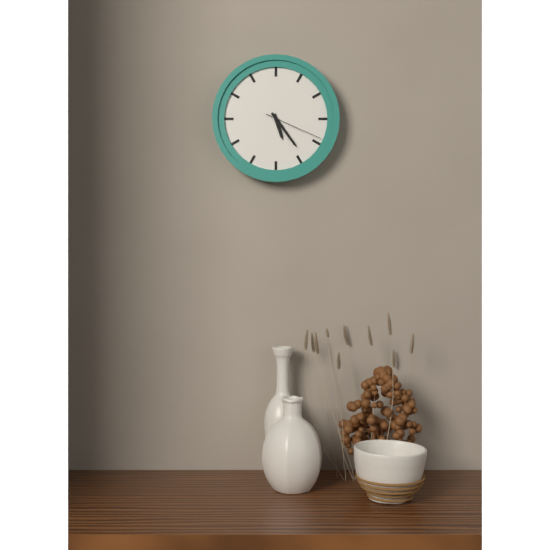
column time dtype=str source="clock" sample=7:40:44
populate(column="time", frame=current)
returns 5:24:19
